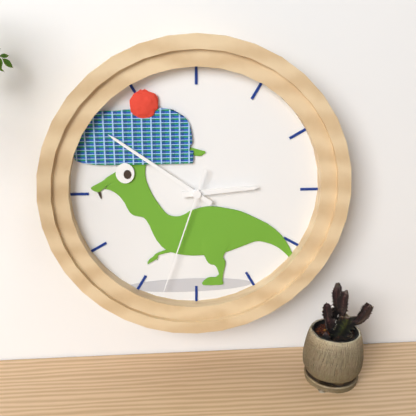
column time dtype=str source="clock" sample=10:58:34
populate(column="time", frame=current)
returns 2:51:33
